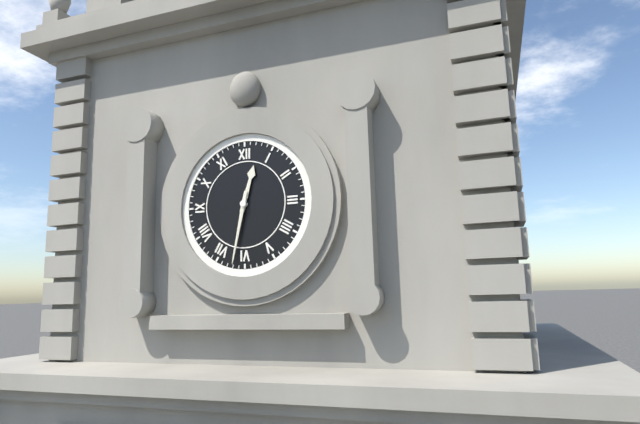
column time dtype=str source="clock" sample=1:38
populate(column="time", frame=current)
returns 12:32
